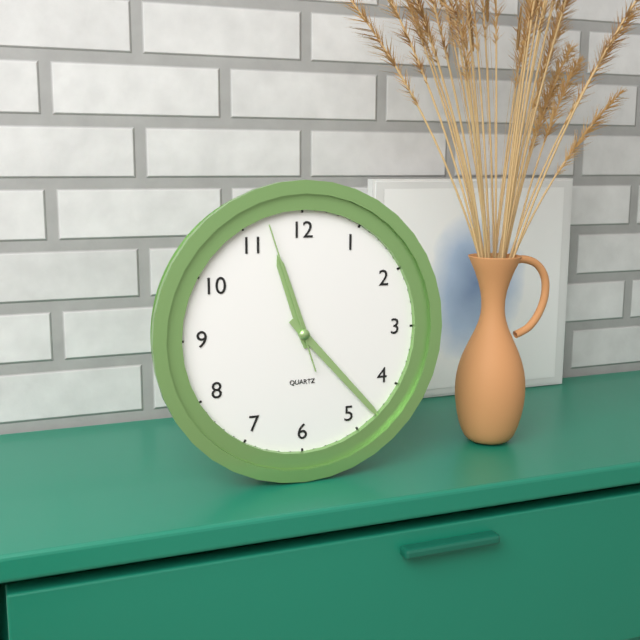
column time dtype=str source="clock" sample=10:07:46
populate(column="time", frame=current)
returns 11:23:57
